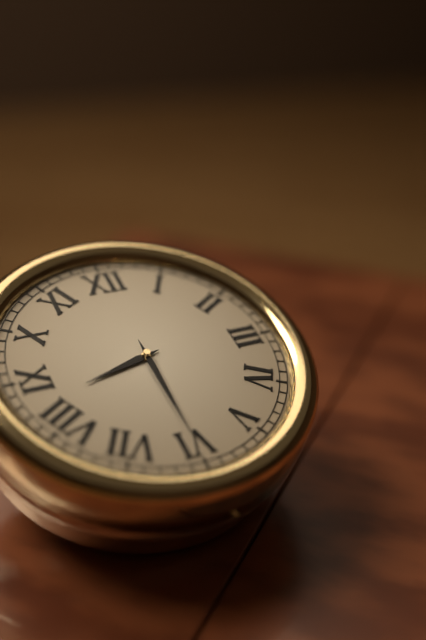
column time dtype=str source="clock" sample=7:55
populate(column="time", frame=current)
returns 8:30
